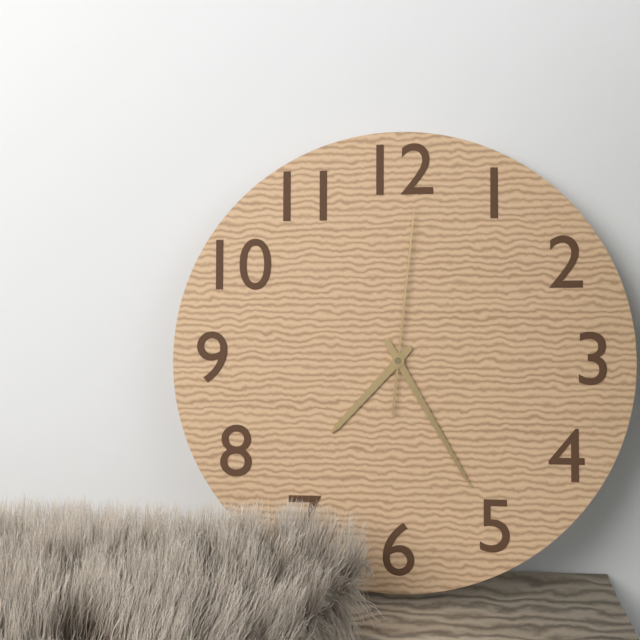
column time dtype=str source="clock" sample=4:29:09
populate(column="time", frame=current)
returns 7:25:01
